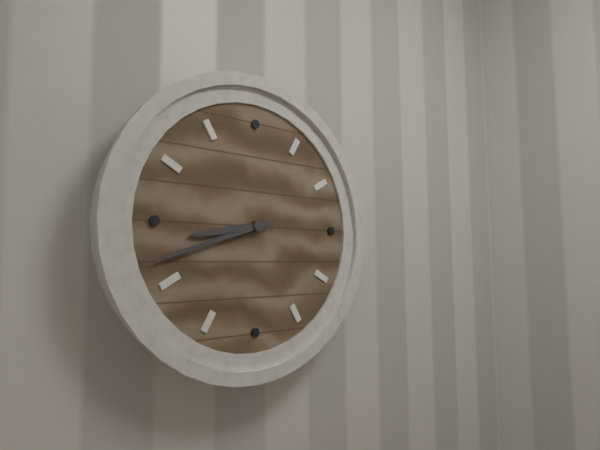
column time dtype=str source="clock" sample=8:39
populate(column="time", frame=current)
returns 8:42
